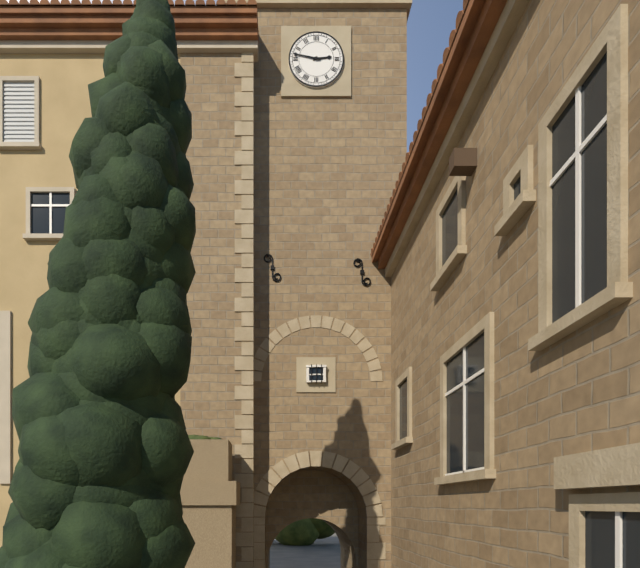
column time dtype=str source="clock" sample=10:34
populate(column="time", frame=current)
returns 2:47
